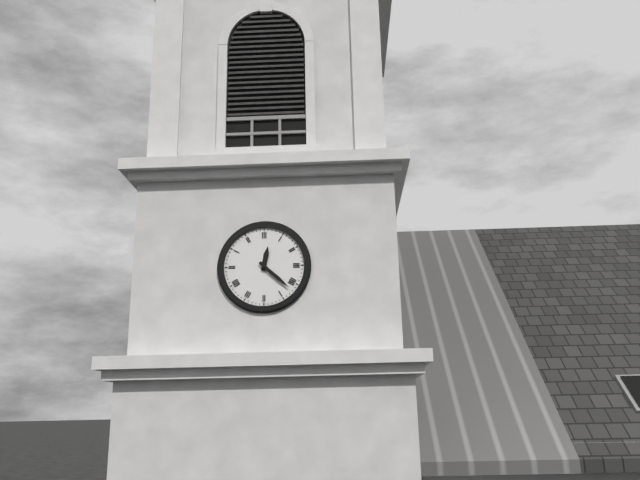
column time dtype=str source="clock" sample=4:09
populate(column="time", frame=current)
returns 12:22
